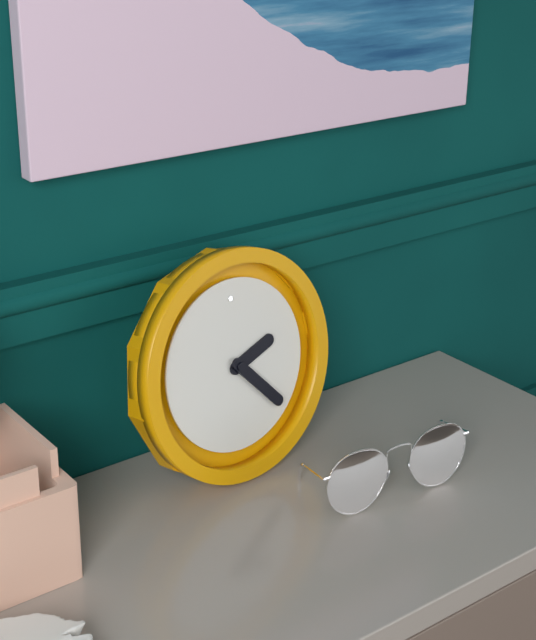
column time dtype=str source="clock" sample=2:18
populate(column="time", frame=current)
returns 2:23
